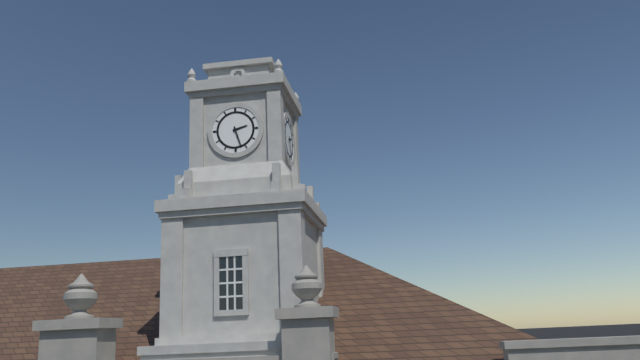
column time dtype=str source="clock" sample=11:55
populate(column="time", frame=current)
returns 2:27
